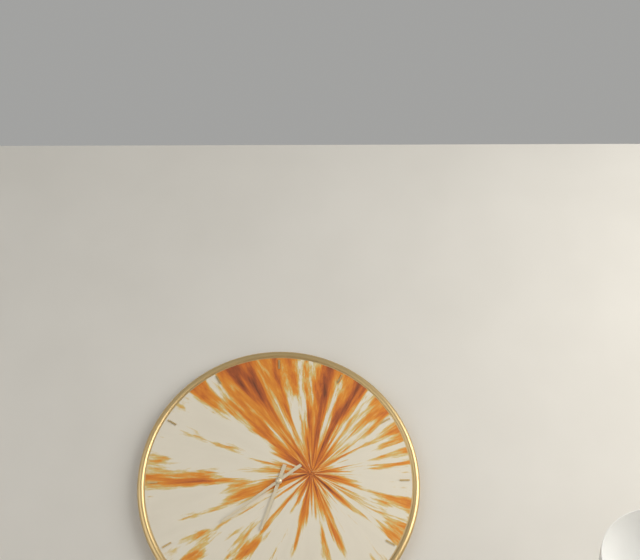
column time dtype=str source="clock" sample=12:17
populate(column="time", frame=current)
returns 6:39
